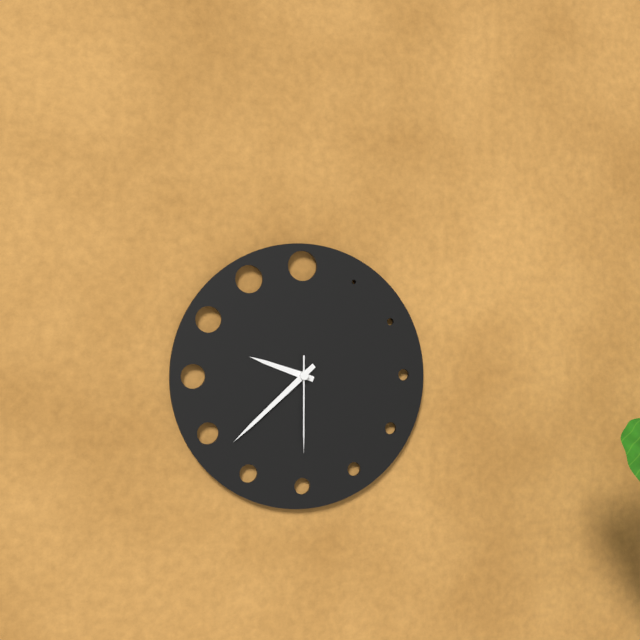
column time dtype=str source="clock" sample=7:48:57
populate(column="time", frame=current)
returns 9:38:30
